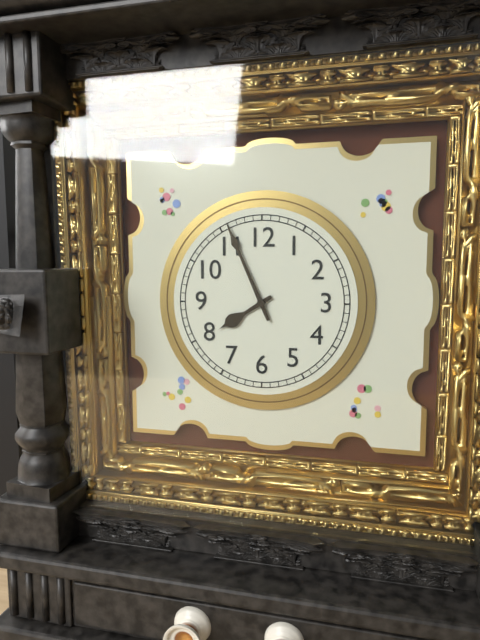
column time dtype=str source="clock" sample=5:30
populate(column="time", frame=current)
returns 7:56
